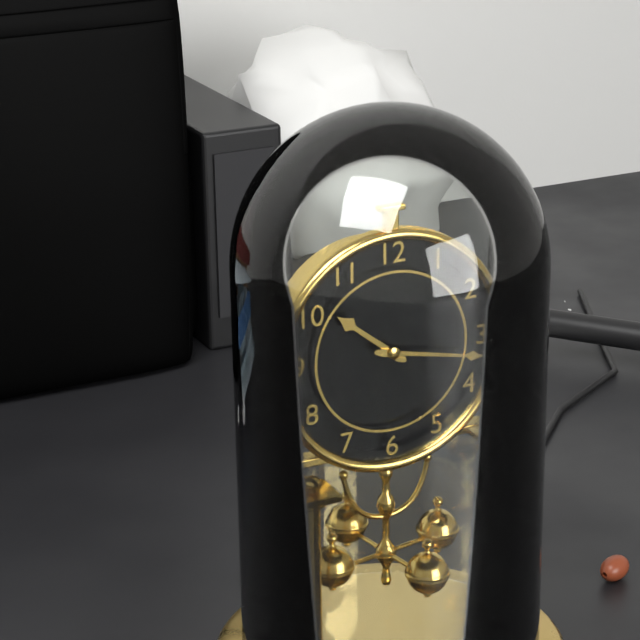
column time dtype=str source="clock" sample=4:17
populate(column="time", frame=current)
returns 10:17
